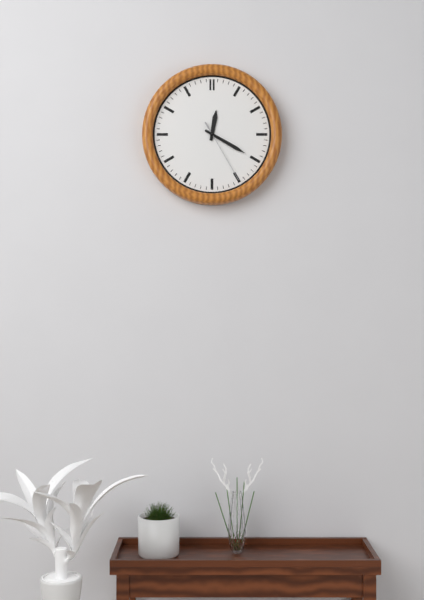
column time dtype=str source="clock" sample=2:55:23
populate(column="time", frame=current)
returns 12:20:25
